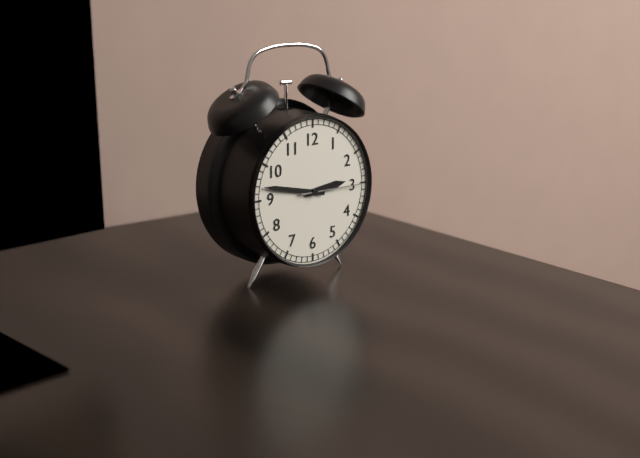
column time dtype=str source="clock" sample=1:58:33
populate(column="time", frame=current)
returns 2:47:15
